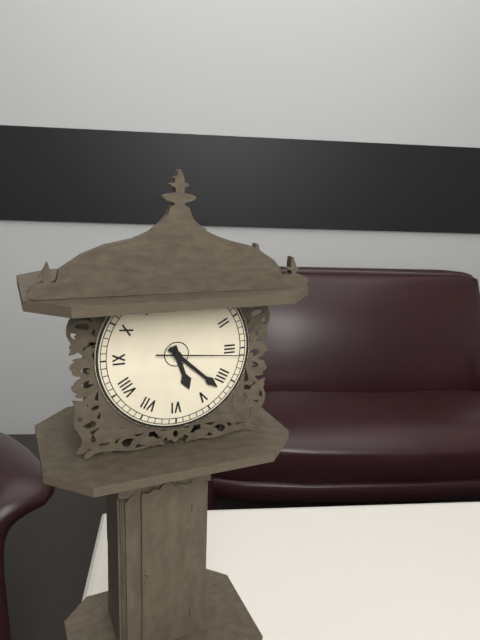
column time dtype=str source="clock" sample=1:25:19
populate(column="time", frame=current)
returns 5:22:16
